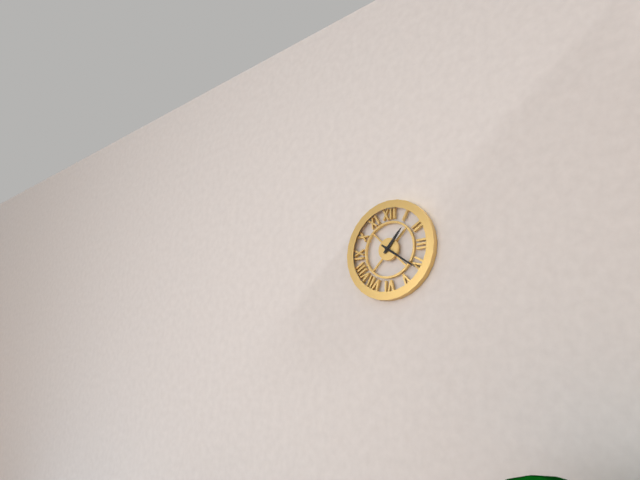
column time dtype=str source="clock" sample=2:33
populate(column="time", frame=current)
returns 1:21
